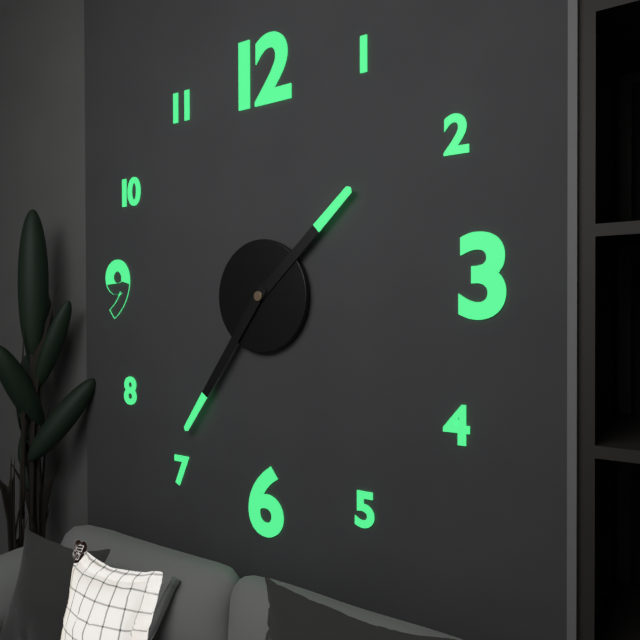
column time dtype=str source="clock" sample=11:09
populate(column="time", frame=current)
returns 1:36
